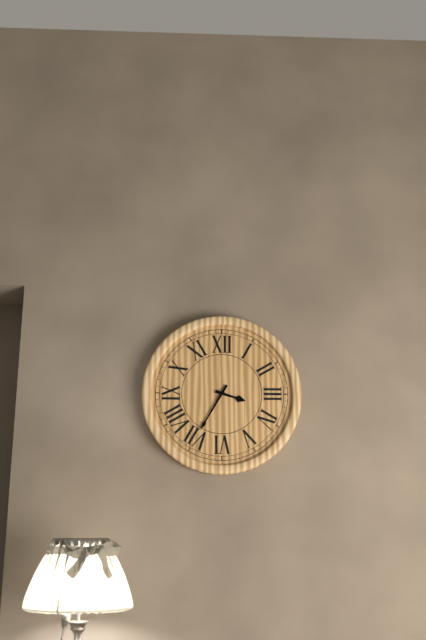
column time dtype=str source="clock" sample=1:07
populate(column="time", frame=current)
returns 3:35
